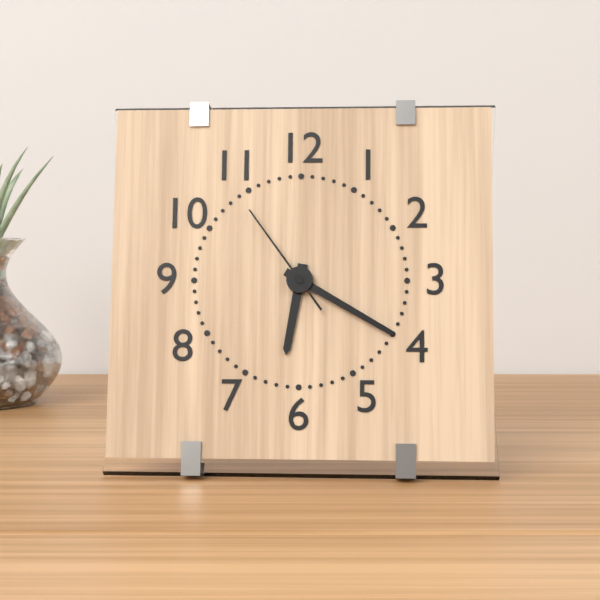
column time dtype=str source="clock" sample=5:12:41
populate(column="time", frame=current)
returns 6:20:54
